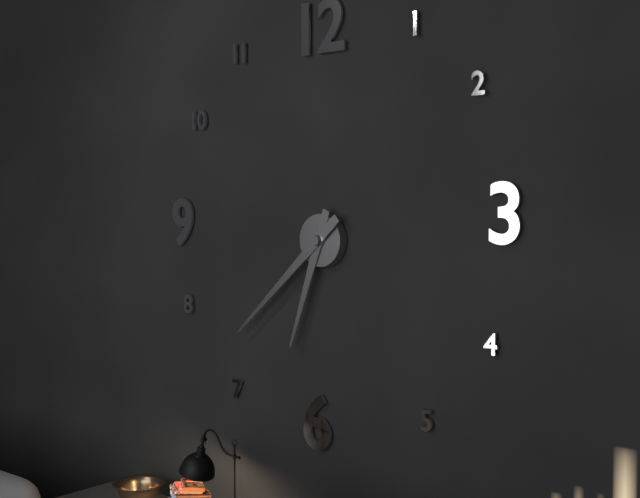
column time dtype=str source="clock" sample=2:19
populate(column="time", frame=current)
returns 6:38
